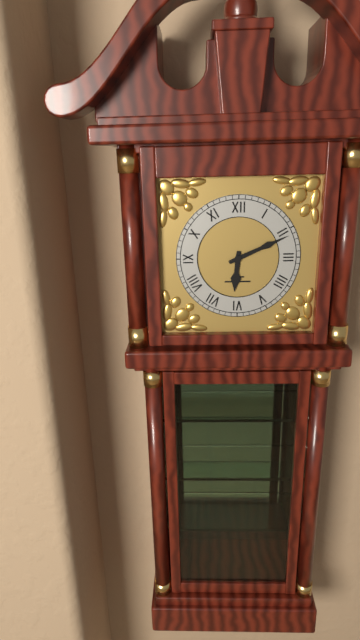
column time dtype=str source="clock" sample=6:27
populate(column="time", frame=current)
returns 6:11
